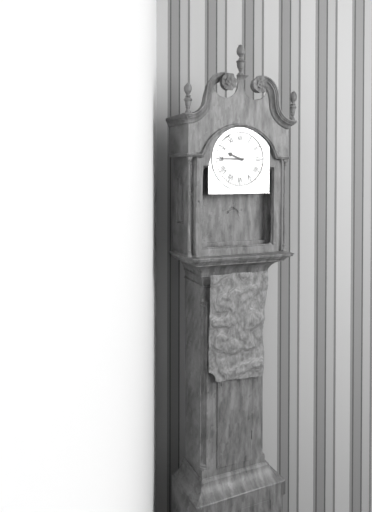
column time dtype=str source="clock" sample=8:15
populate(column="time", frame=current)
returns 9:45
